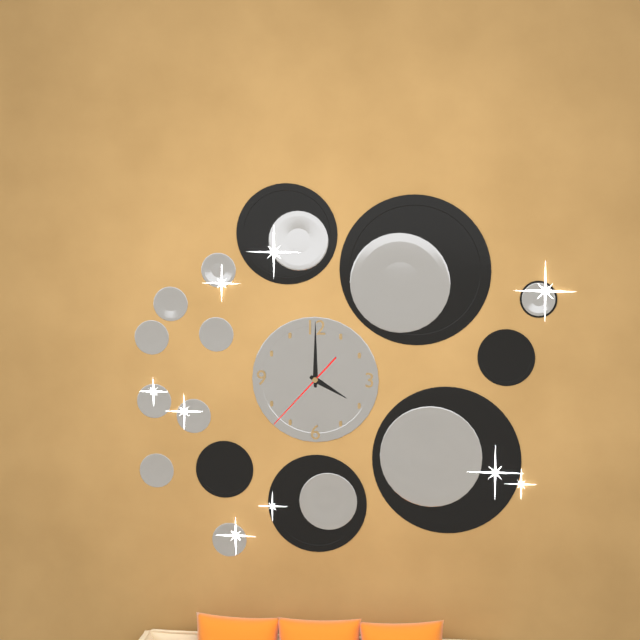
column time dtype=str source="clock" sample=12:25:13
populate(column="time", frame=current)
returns 4:00:37
